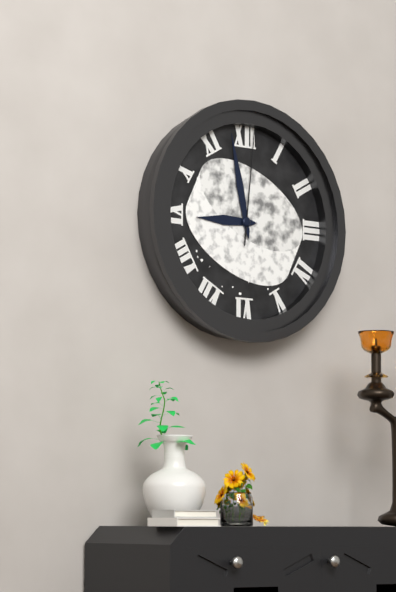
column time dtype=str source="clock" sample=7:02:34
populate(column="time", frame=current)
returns 8:58:01
